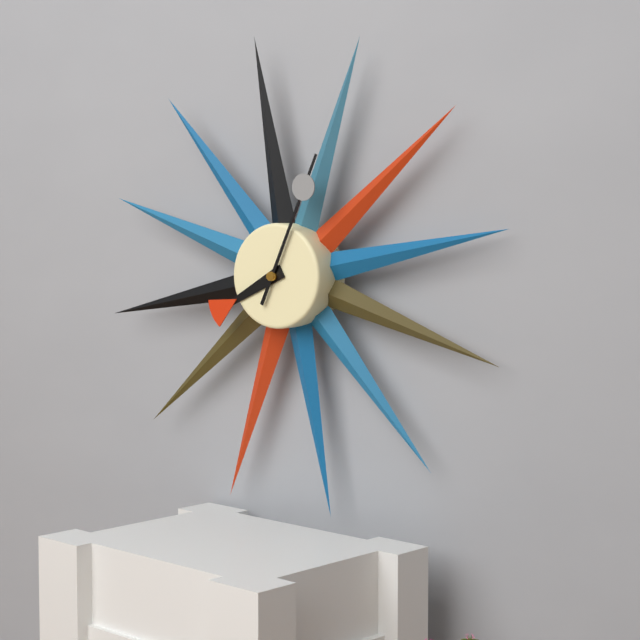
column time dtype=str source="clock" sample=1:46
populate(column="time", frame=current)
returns 8:04
